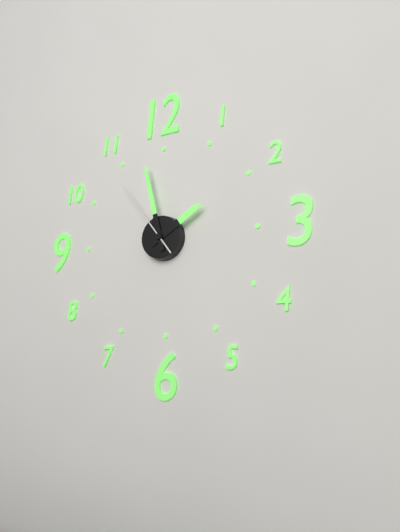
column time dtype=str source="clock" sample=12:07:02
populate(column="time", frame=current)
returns 1:58:54
